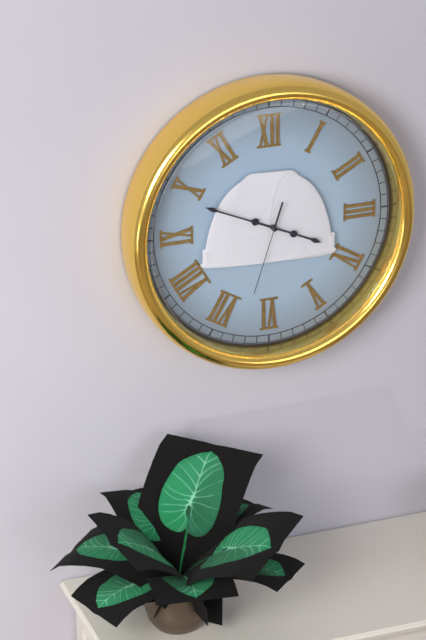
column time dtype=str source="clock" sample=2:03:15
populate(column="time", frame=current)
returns 3:49:33
